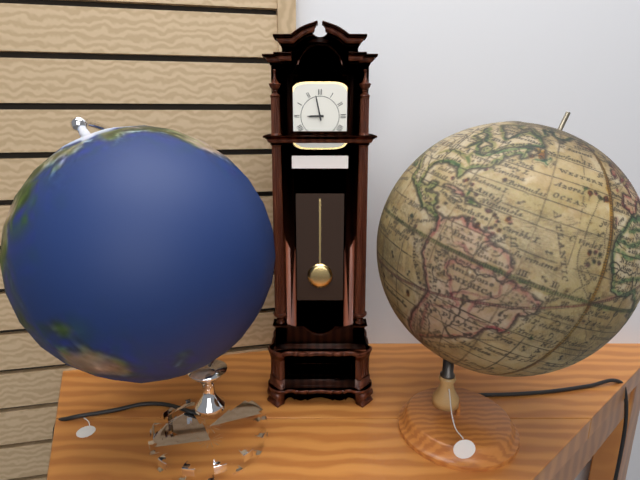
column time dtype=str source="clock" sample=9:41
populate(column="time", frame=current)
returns 8:58
